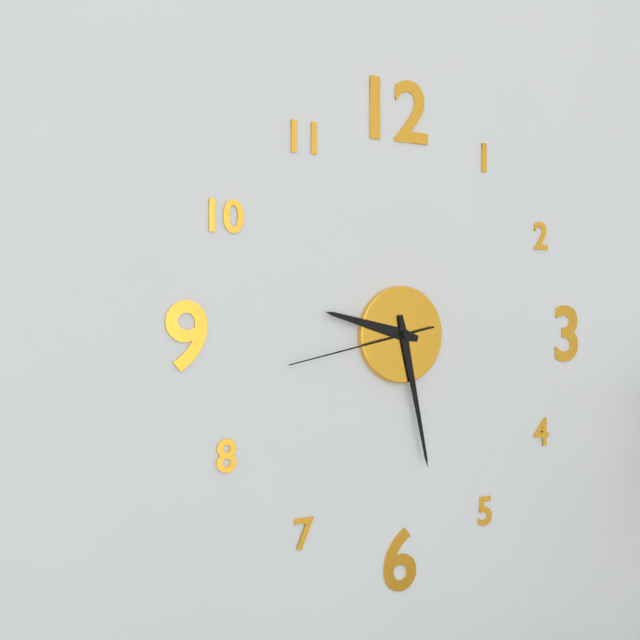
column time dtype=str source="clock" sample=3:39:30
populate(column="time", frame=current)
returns 9:28:43
